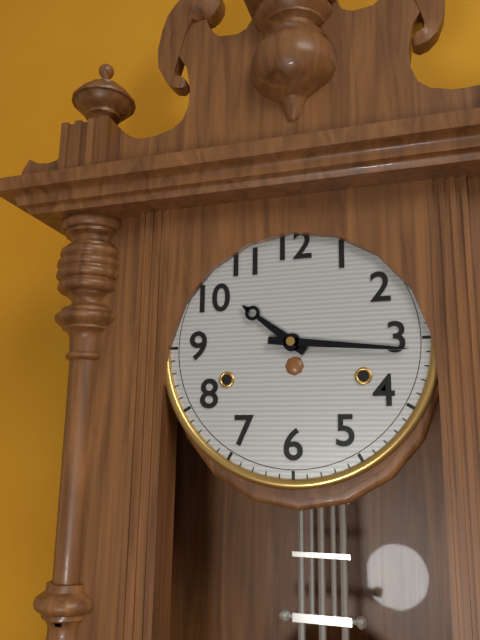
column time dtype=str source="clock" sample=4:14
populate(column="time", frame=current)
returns 10:16
